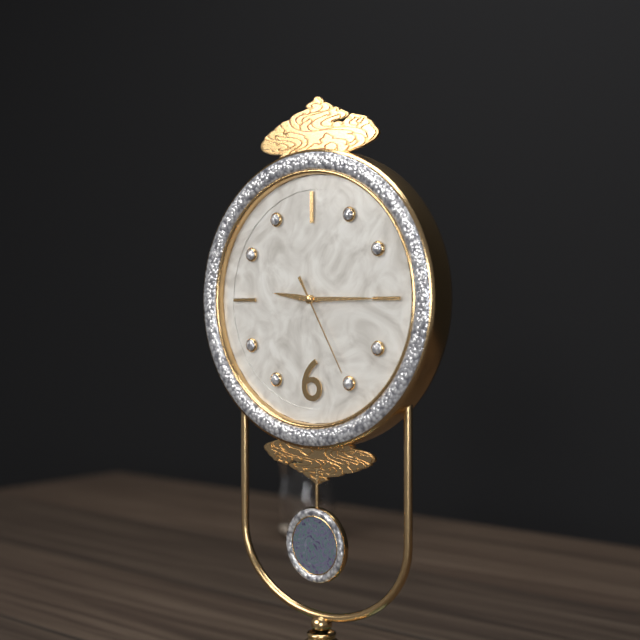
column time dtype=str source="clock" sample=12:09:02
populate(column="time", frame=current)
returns 9:15:25
